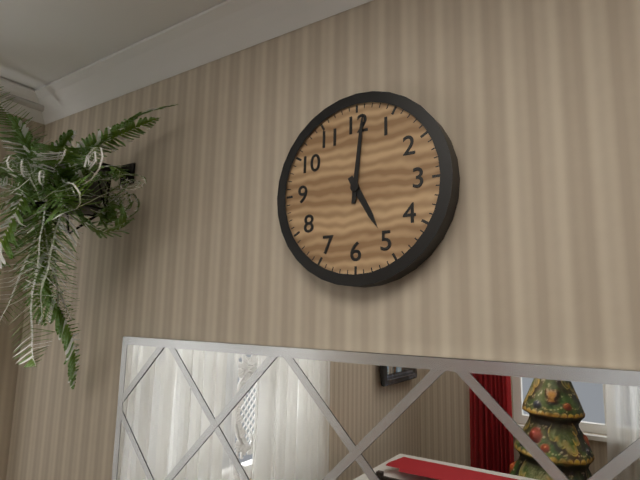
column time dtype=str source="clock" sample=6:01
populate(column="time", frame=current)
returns 5:01
